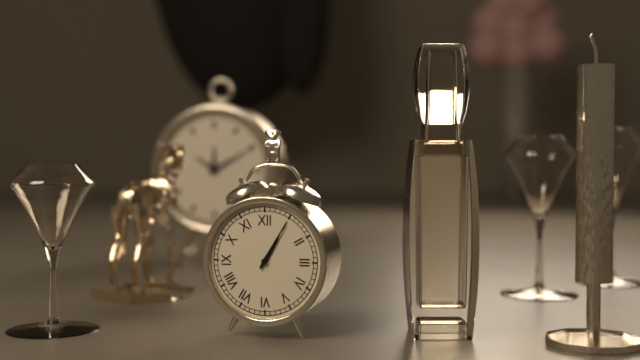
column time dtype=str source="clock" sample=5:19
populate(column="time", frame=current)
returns 1:05
